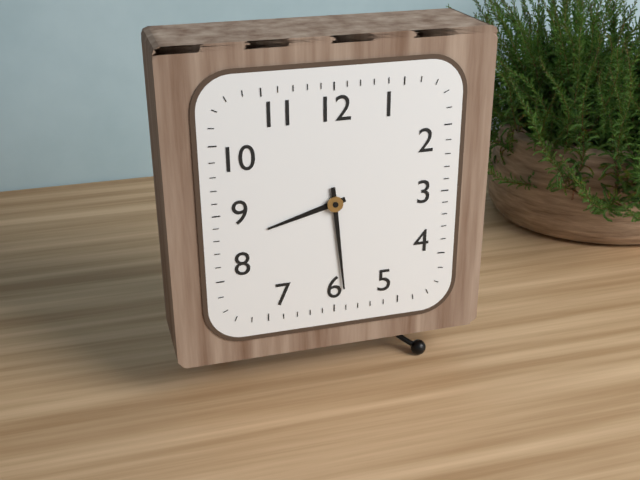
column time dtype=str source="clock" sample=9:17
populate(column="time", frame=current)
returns 8:29
